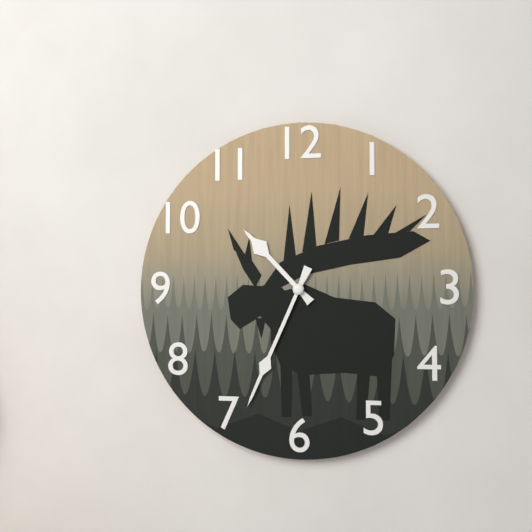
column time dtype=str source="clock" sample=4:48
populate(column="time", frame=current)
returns 10:34
